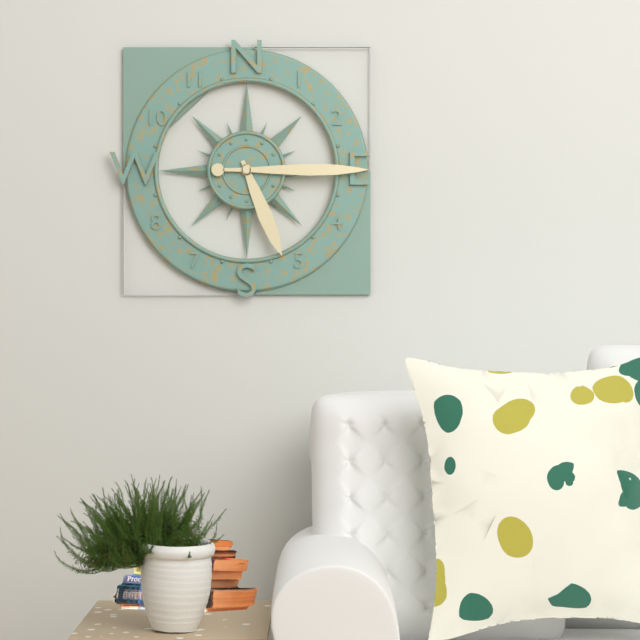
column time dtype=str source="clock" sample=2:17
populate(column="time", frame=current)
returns 5:15
